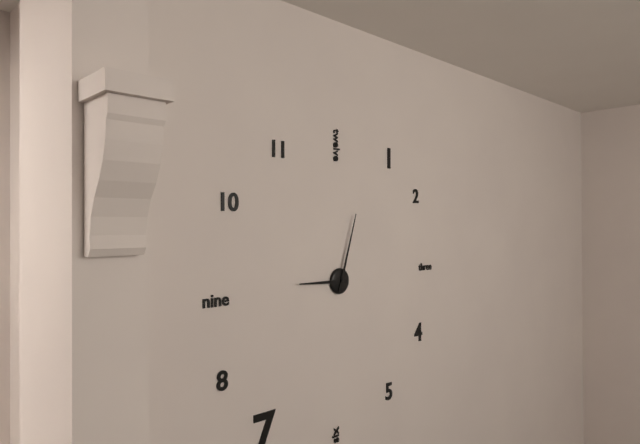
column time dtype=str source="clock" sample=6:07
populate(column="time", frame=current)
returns 9:03
